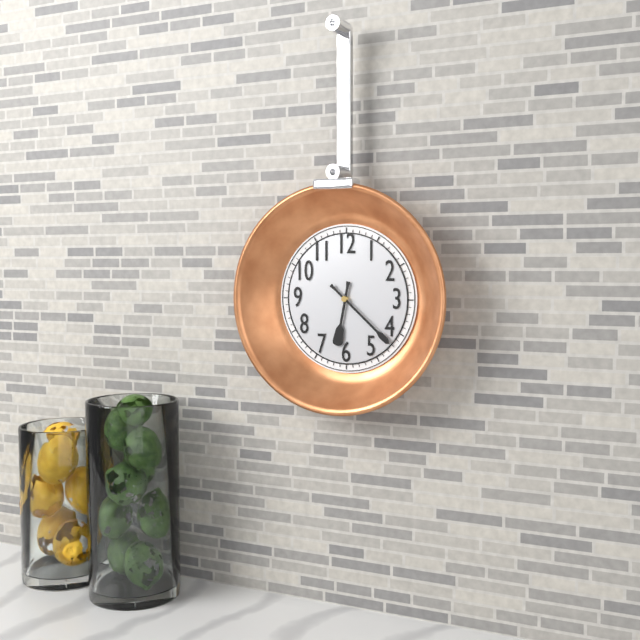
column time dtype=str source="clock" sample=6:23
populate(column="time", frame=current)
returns 6:22
